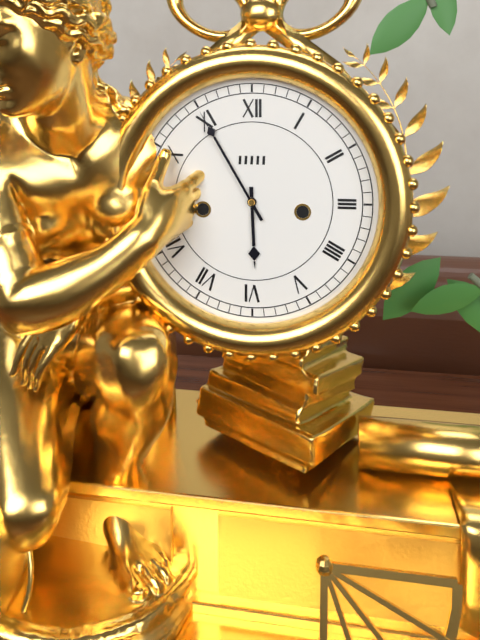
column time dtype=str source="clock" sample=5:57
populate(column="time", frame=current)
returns 5:55
